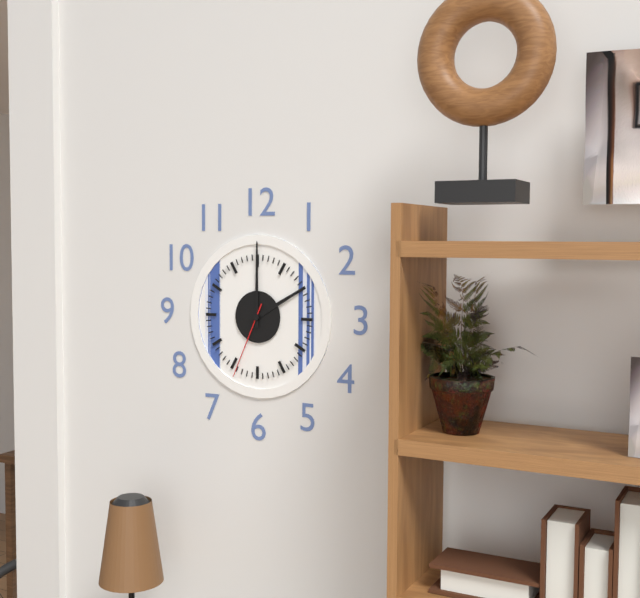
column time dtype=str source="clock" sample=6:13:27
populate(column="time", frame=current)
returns 2:00:34
